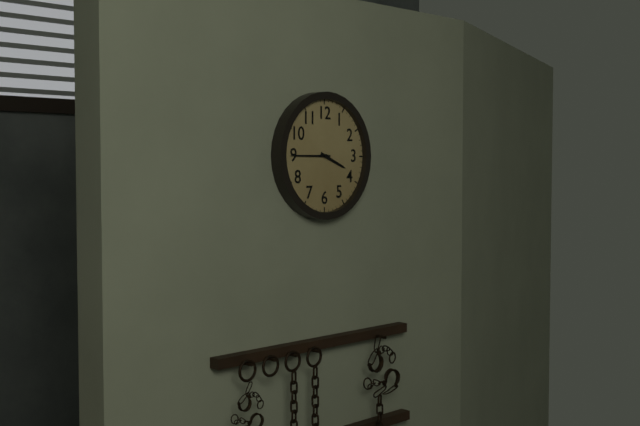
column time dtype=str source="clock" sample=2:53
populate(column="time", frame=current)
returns 3:45
